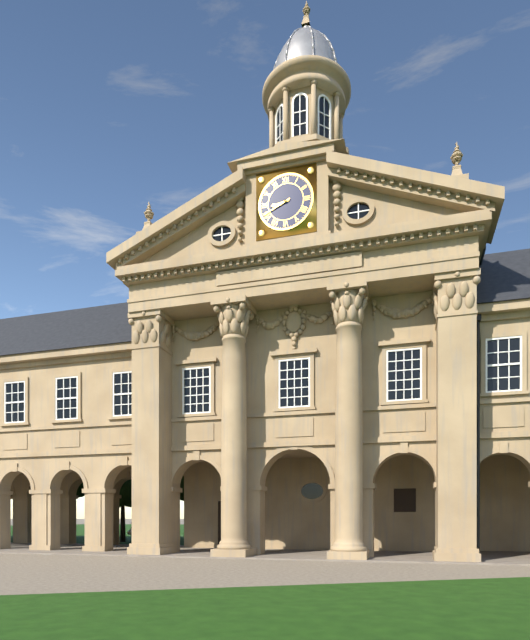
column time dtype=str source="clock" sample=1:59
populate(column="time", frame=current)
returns 8:41
